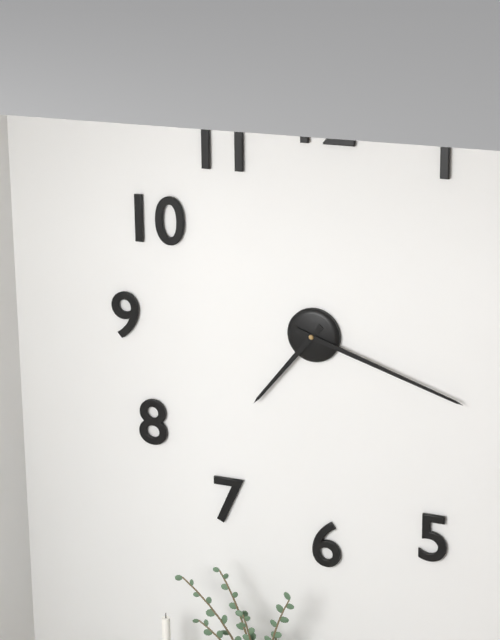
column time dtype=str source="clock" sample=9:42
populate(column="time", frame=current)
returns 7:18
